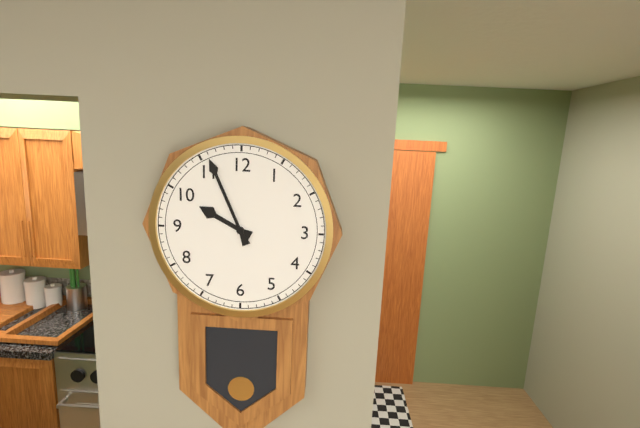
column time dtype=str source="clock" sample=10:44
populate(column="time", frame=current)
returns 9:56
